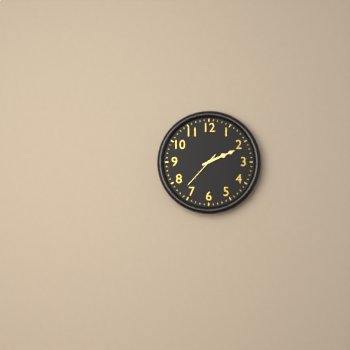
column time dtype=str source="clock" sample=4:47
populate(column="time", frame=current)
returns 2:11
